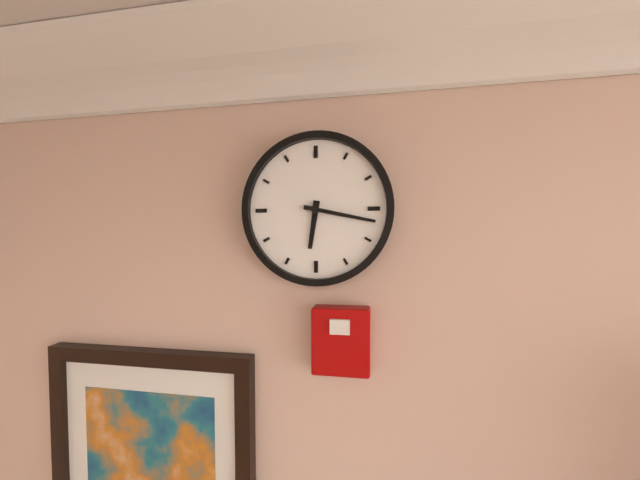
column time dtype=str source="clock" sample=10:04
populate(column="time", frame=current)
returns 6:17
